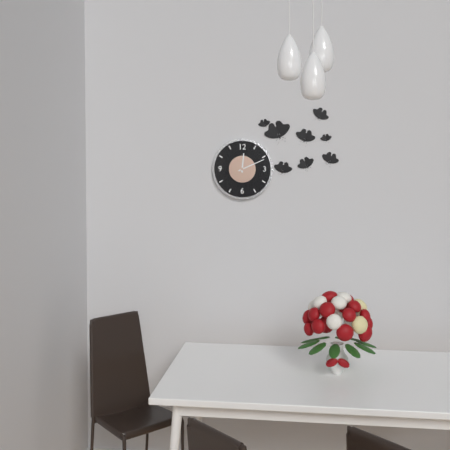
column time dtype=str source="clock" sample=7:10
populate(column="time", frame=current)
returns 12:11
